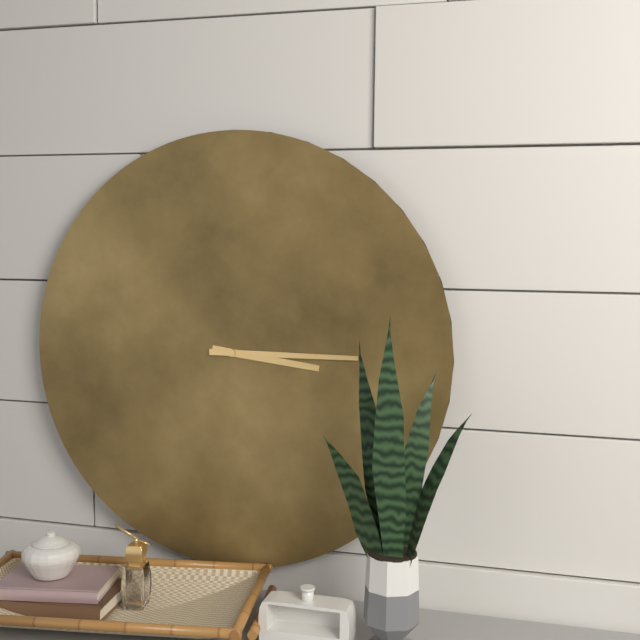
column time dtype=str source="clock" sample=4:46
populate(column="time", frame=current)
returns 3:15
